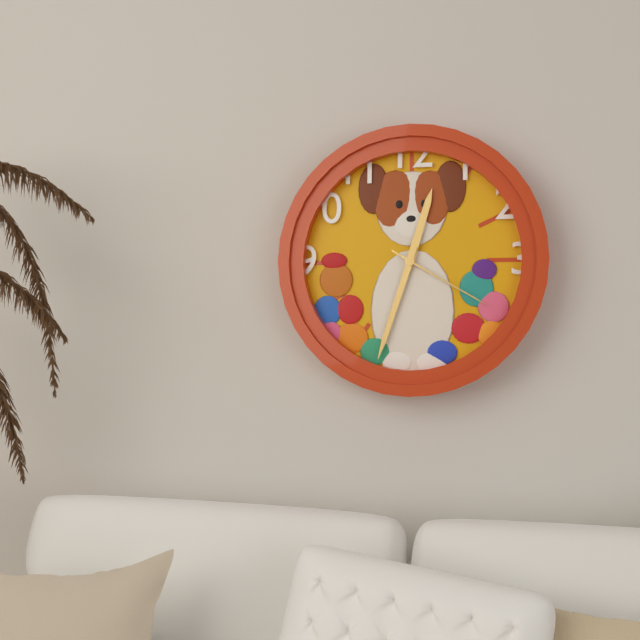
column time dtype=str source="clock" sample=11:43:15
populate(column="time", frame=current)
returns 12:33:20
